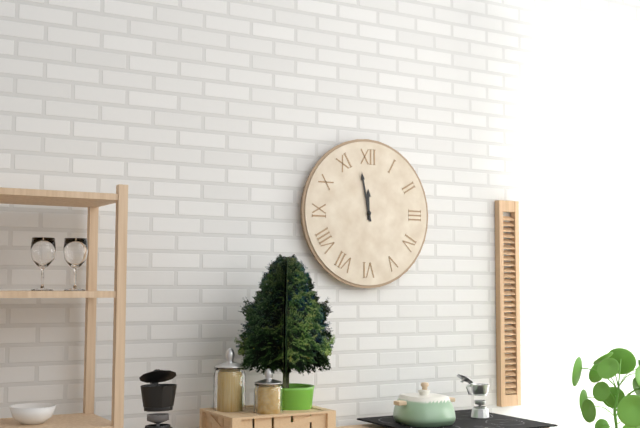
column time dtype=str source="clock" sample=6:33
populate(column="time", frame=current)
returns 11:58
